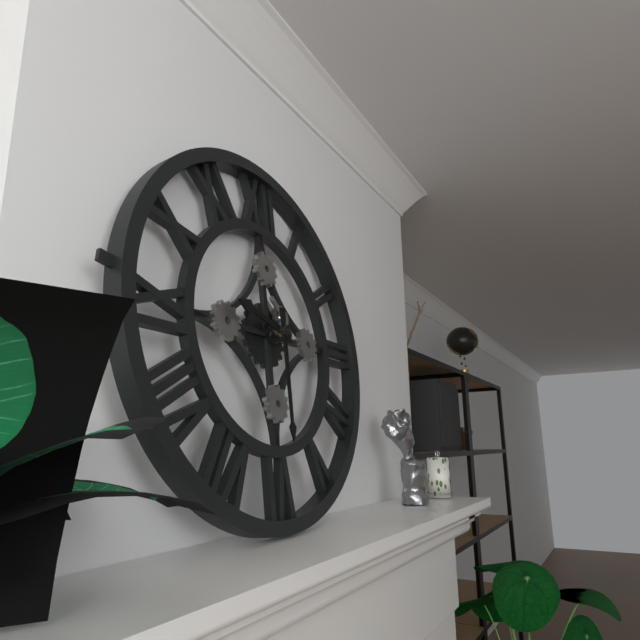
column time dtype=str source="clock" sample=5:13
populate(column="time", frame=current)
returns 9:30
